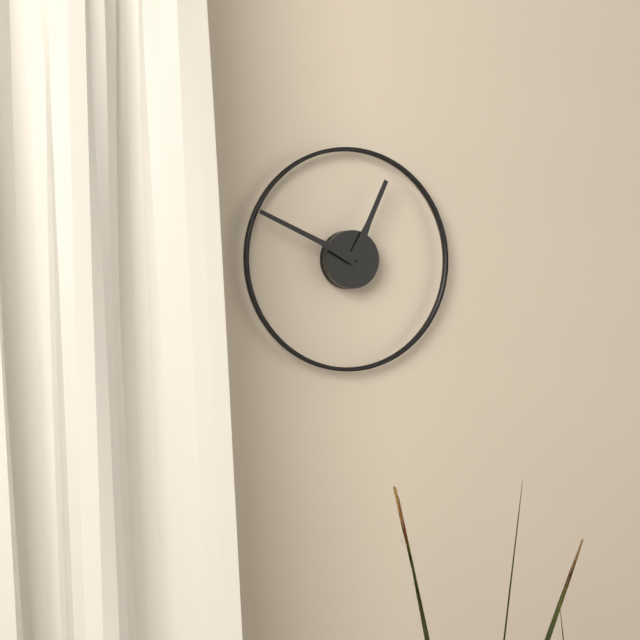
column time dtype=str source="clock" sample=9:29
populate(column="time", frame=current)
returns 12:49
